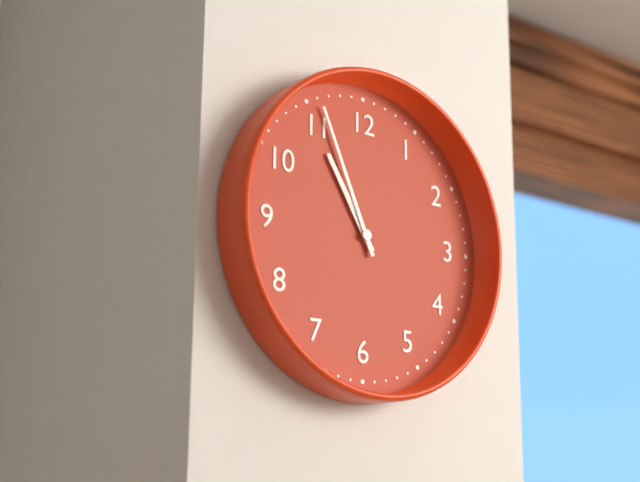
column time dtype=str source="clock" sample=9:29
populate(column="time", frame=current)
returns 10:56
